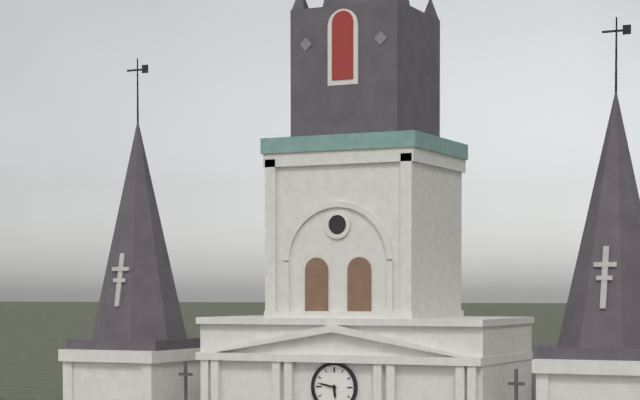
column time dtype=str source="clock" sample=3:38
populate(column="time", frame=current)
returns 5:47
